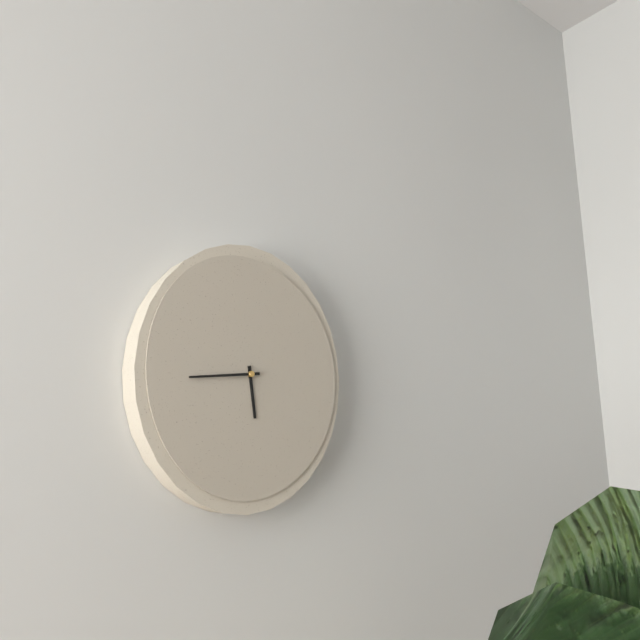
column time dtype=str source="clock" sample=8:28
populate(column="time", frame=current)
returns 5:44
